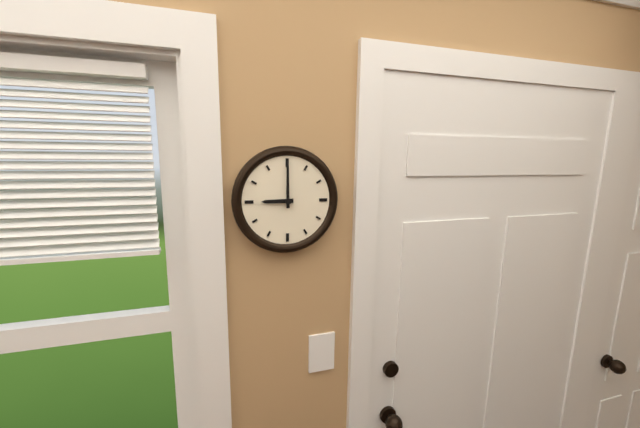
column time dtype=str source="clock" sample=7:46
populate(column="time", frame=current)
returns 9:00
